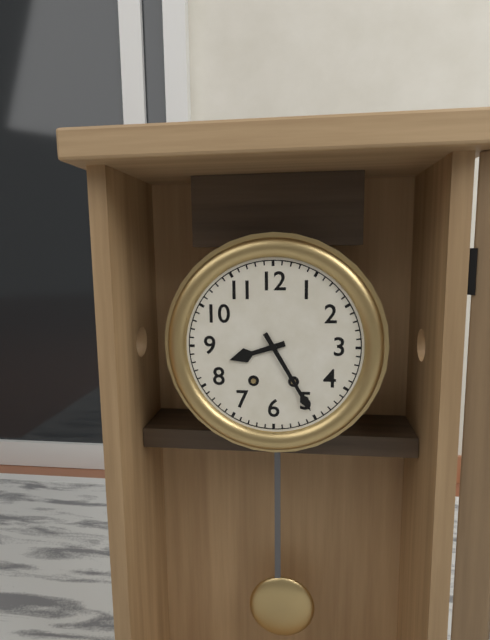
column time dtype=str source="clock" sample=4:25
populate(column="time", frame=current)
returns 8:25
